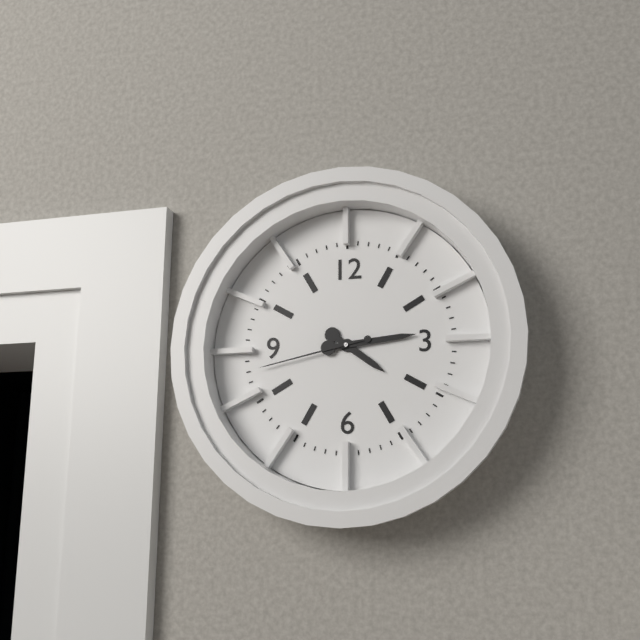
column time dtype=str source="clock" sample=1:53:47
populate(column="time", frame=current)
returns 4:14:43
